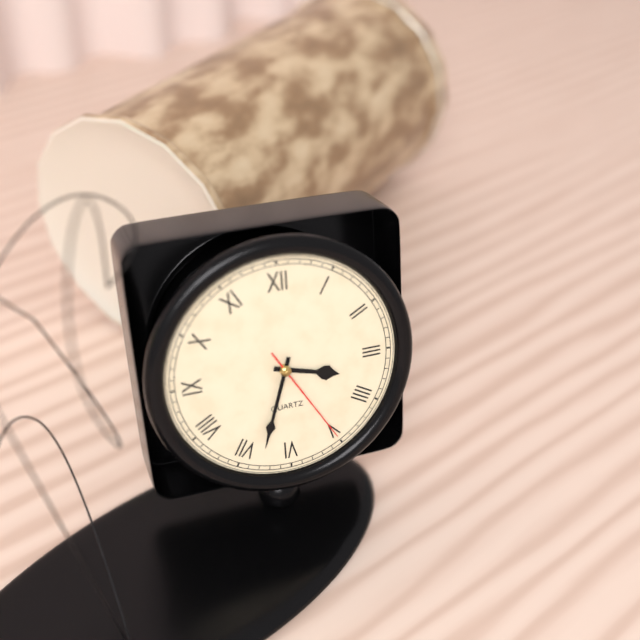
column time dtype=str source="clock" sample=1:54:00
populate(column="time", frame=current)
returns 3:33:25
